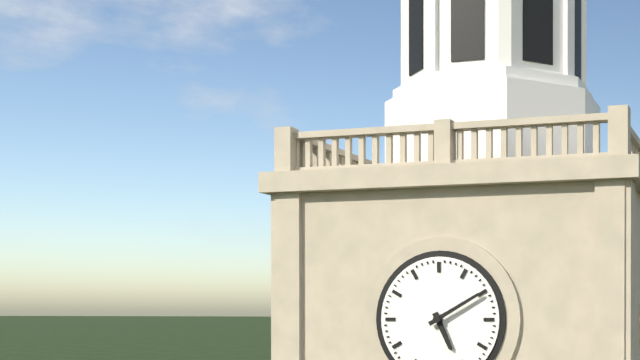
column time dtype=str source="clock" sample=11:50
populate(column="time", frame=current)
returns 5:10
